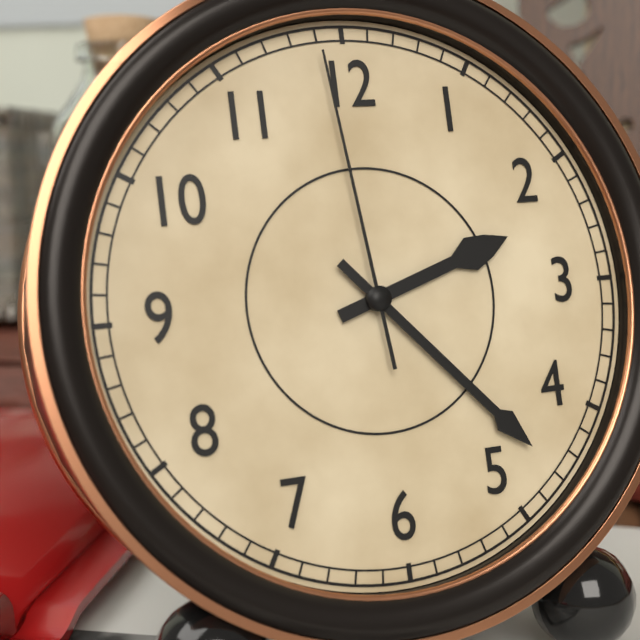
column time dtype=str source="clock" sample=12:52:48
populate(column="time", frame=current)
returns 2:23:59
